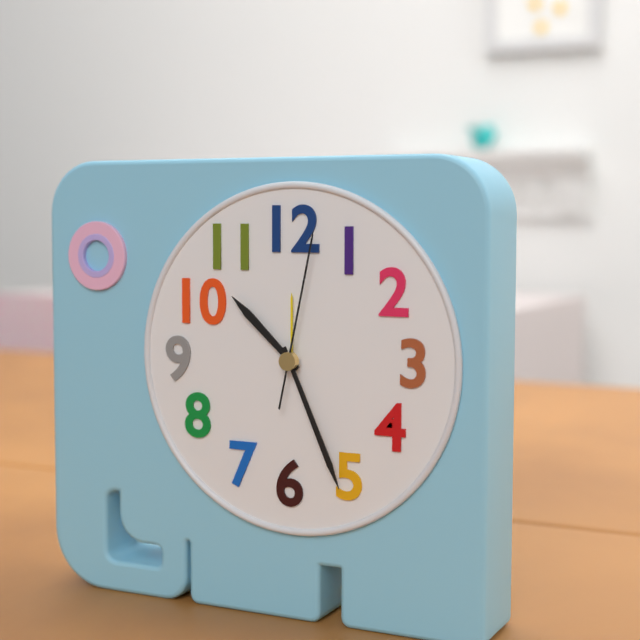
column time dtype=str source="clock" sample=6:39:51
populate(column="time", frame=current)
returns 10:26:02
